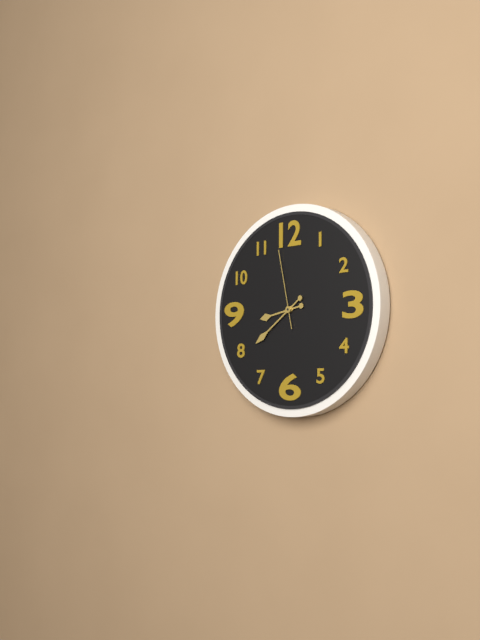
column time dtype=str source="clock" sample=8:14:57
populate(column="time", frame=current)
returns 8:39:58
